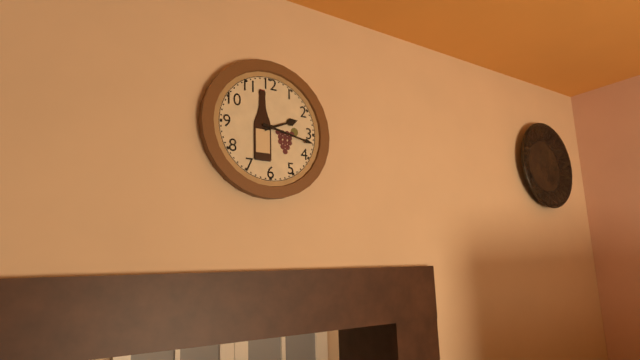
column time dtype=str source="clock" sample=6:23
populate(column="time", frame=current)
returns 2:17
